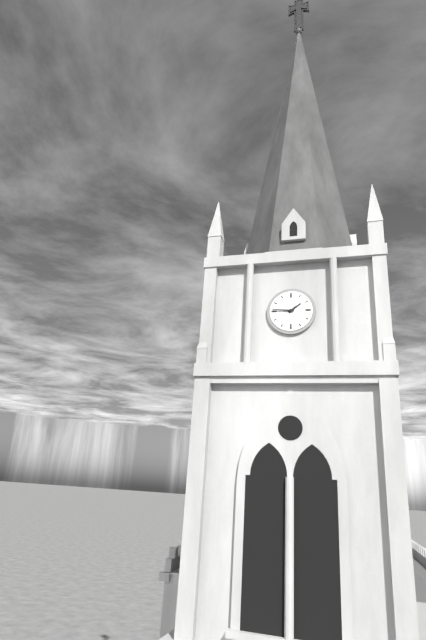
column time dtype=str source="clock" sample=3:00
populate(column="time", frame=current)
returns 1:46
